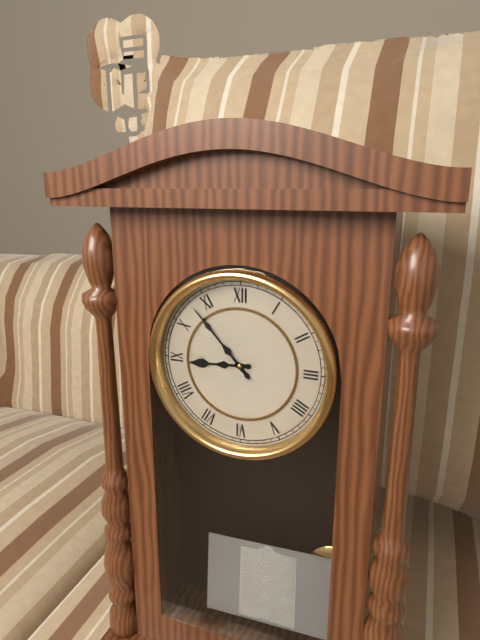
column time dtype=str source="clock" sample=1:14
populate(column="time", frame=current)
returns 8:53
